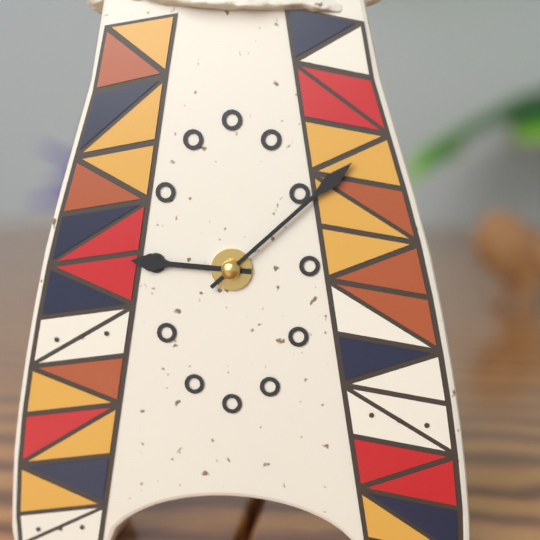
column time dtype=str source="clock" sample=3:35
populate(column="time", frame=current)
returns 9:08
